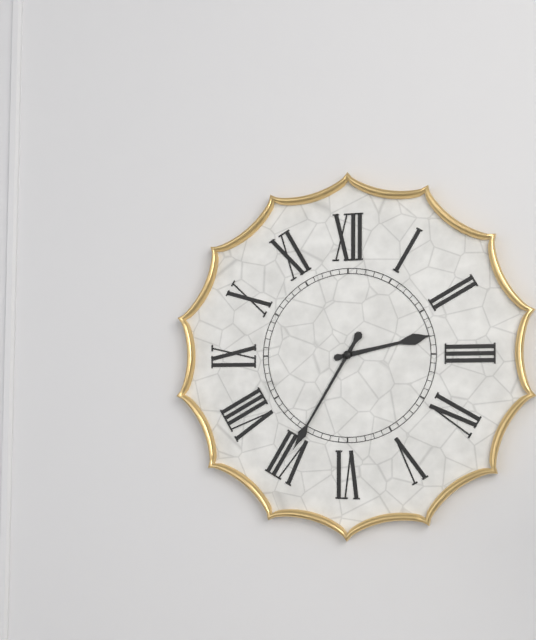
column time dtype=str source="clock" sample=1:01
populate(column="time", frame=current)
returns 2:35
